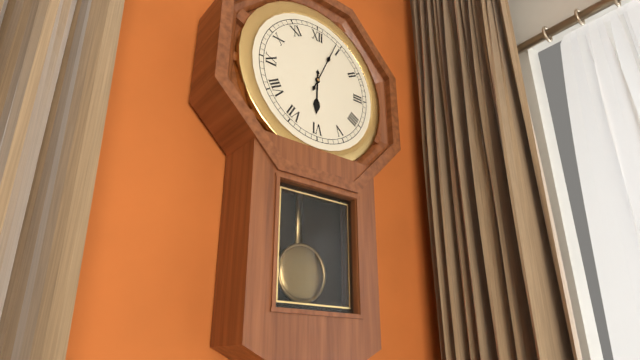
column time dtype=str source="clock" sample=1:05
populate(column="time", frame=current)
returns 6:04
